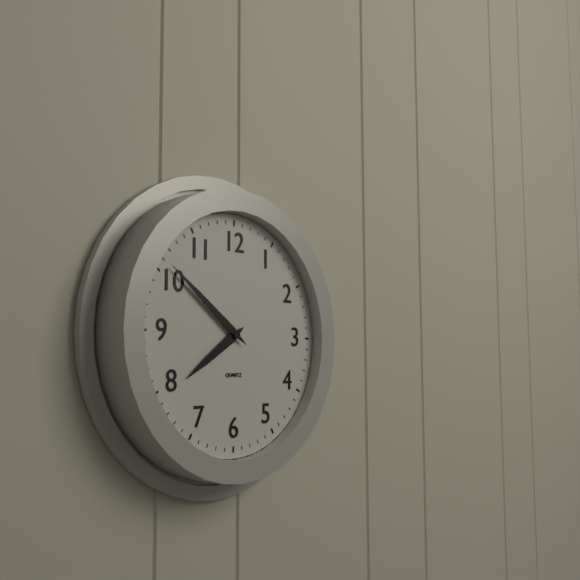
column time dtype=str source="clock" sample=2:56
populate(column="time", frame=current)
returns 7:51
